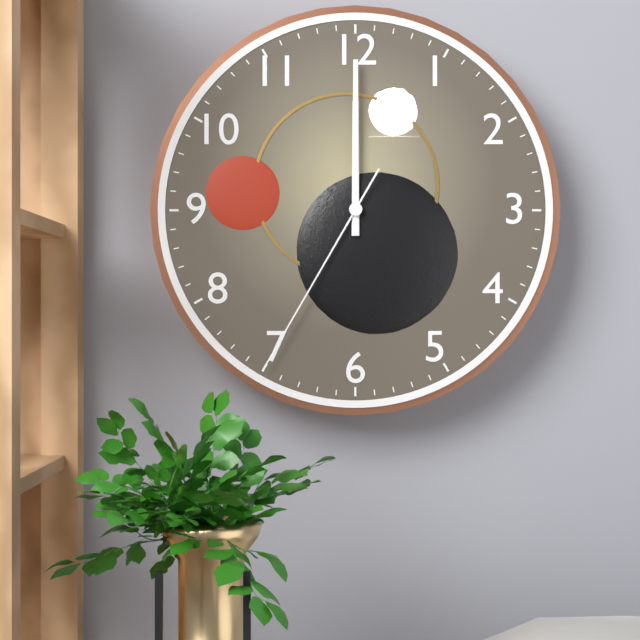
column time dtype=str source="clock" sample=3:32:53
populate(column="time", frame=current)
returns 12:00:35
